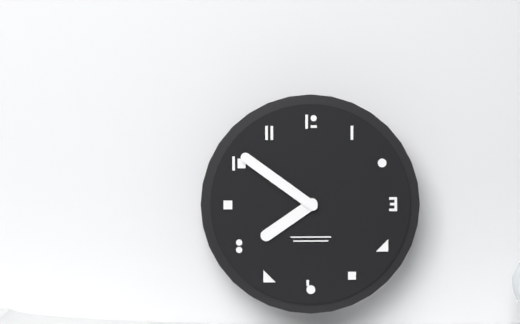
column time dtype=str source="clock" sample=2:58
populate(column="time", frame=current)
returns 7:51
